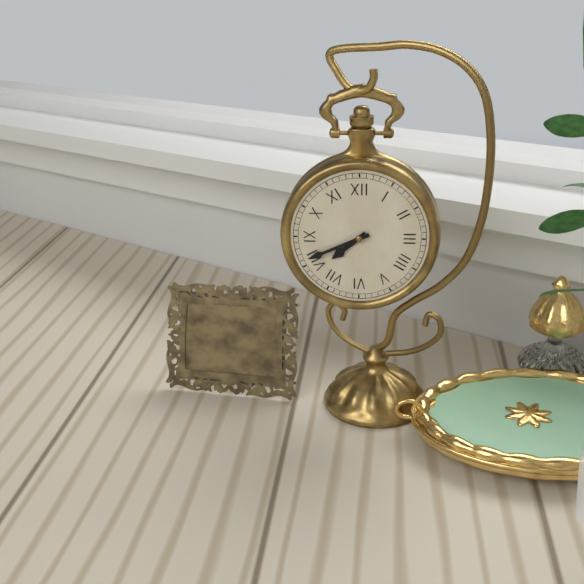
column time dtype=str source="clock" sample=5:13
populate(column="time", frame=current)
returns 7:41
